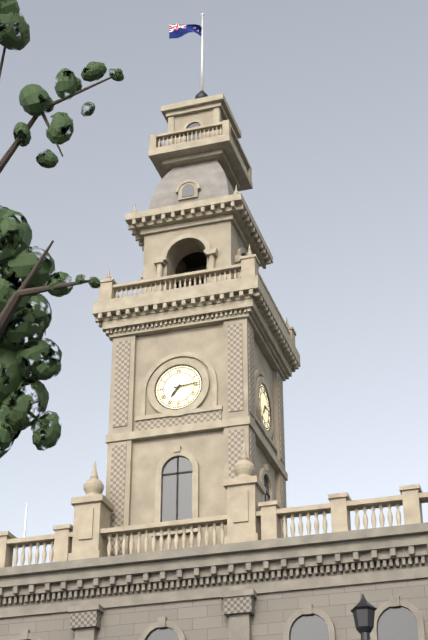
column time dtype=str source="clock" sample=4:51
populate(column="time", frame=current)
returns 7:14
